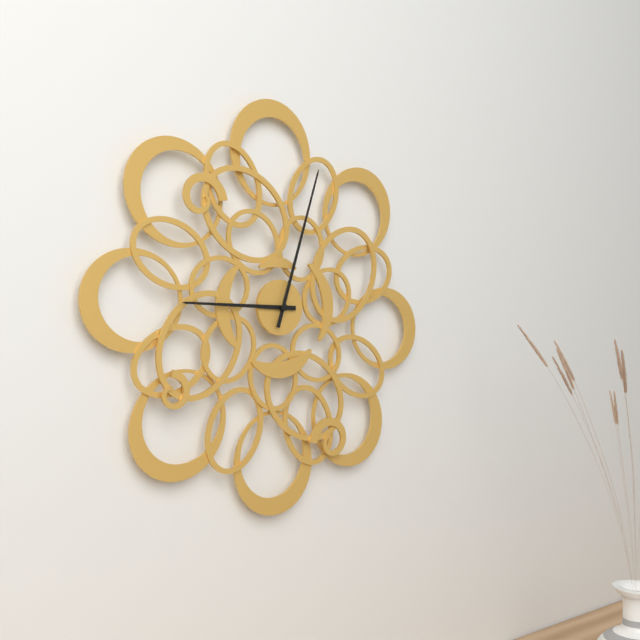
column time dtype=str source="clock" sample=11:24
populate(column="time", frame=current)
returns 9:03
